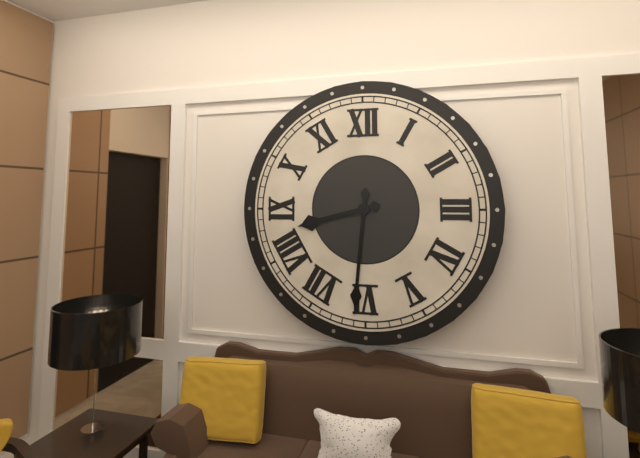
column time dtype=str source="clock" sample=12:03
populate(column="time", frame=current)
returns 8:31
